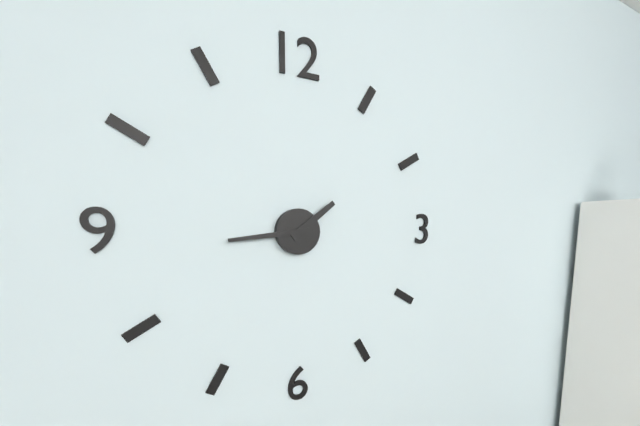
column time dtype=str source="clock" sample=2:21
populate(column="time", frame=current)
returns 1:44
